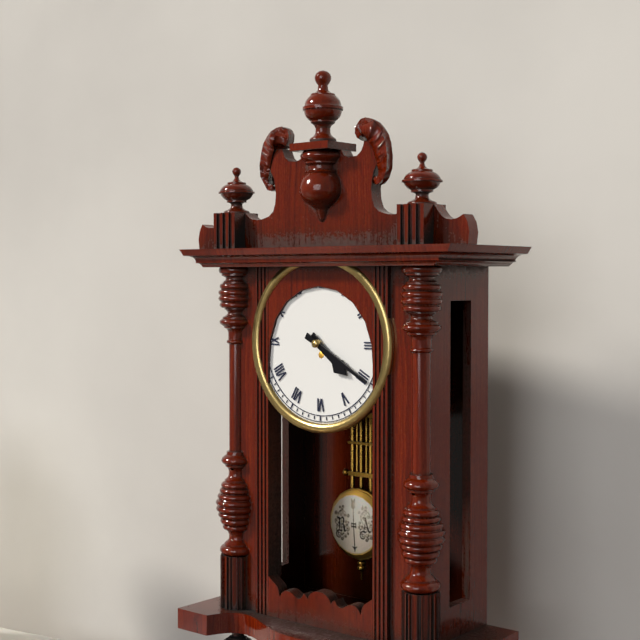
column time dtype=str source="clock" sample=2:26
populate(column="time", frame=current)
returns 4:20
